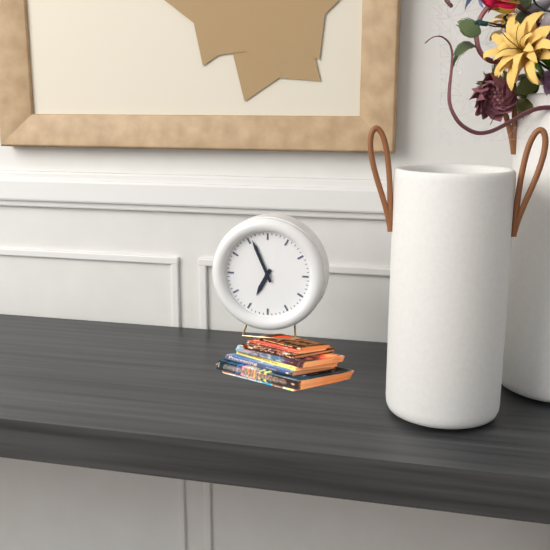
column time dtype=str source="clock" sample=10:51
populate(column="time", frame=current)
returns 6:56
